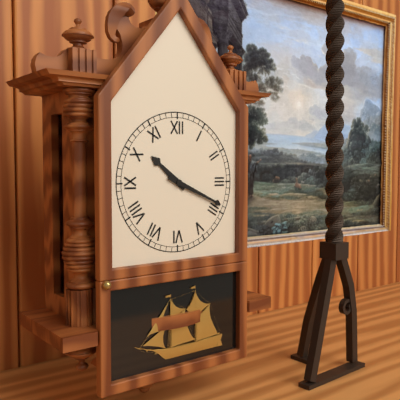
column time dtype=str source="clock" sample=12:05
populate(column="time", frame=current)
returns 10:19
